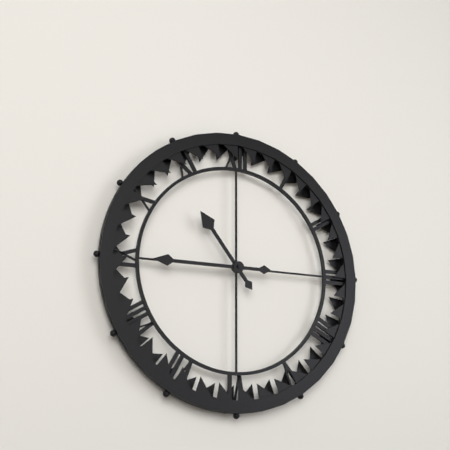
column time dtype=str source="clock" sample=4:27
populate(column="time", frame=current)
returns 10:45
